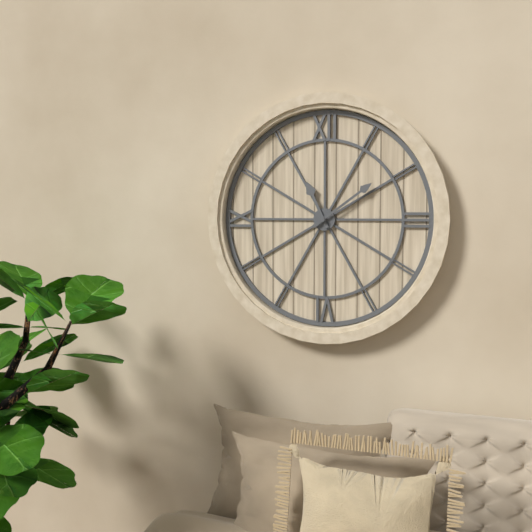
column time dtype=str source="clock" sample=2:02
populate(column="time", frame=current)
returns 11:09
